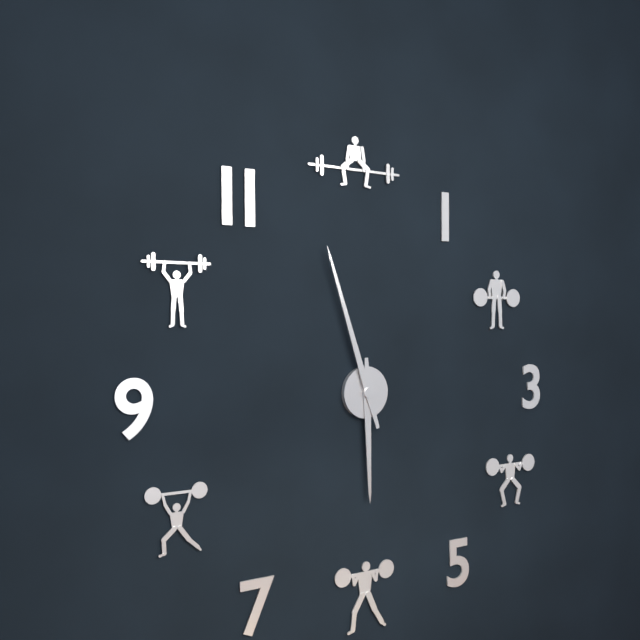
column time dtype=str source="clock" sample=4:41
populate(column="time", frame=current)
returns 5:57
